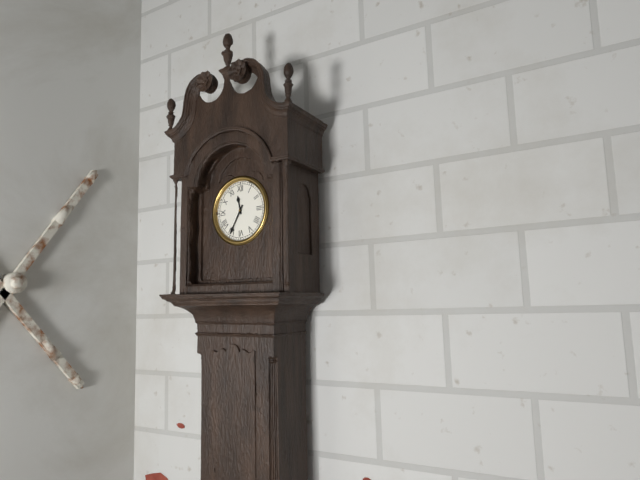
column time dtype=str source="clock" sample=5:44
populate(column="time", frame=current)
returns 11:35
